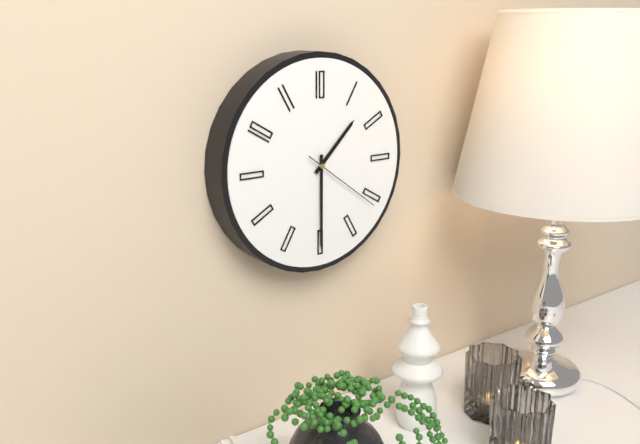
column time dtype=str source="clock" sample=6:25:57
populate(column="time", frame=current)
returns 1:30:21
